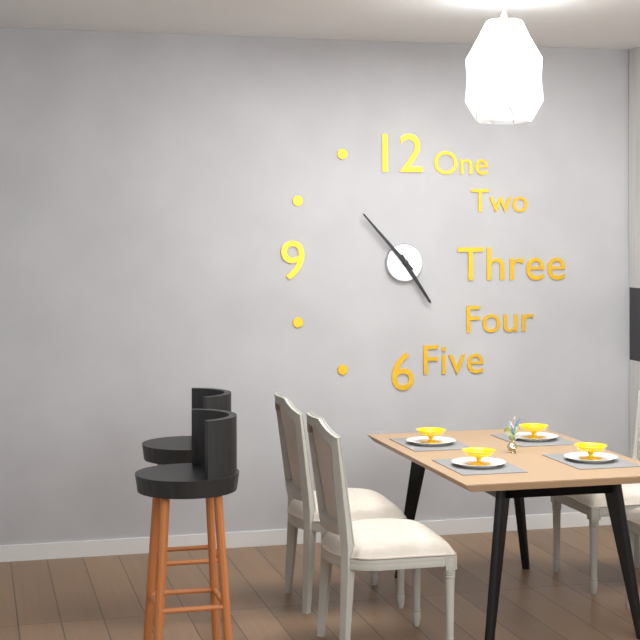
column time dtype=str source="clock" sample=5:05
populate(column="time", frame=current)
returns 4:53
